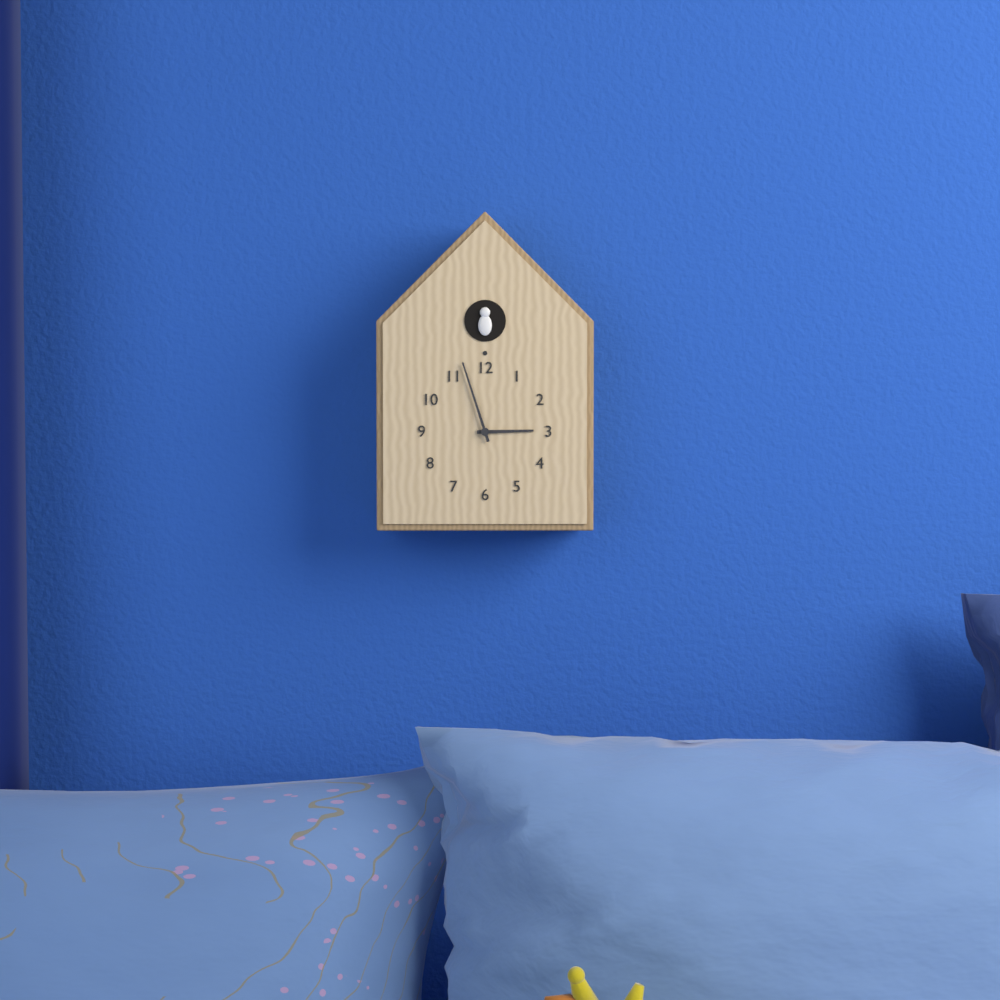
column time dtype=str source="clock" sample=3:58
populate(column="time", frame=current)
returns 2:57
